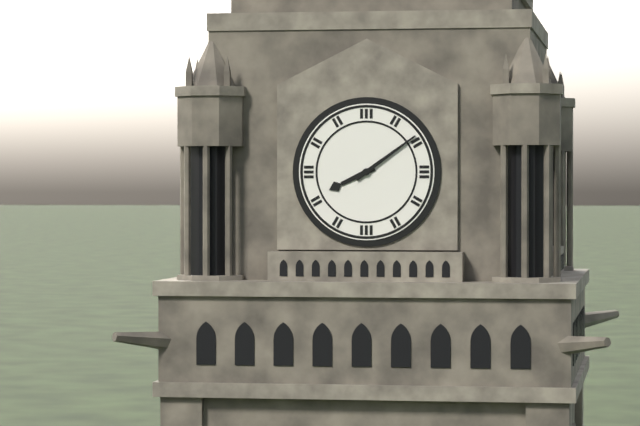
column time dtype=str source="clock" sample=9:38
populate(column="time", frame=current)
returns 8:09
